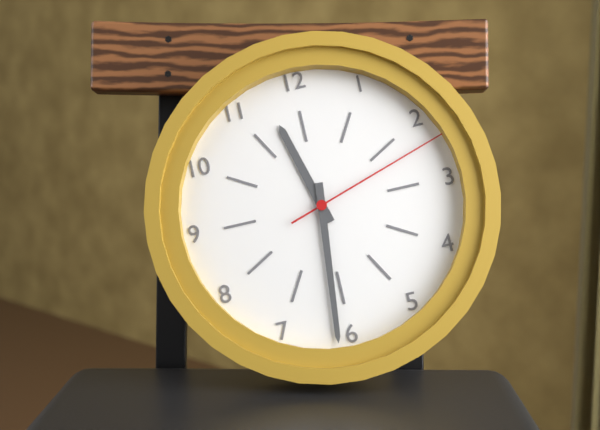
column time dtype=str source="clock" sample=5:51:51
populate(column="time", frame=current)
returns 11:31:12
